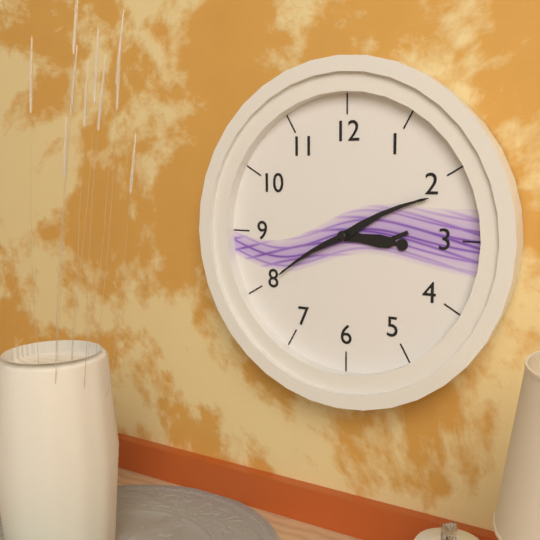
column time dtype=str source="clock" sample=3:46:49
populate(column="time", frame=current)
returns 3:11:40
